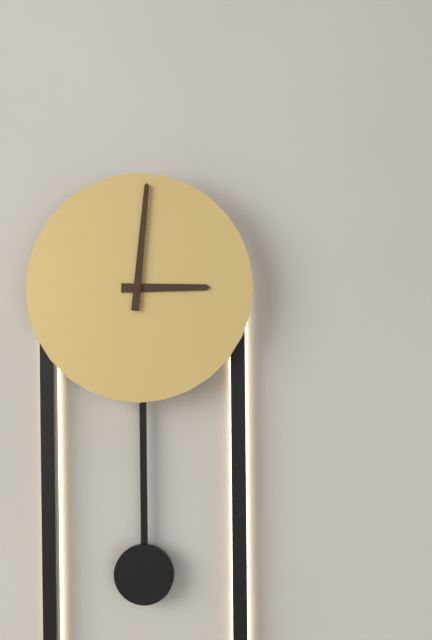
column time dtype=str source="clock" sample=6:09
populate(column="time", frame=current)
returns 3:01
